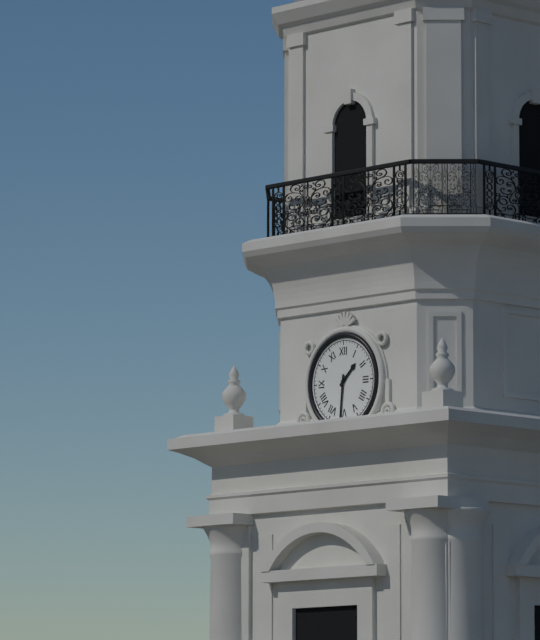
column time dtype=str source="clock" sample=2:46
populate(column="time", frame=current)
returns 1:31
